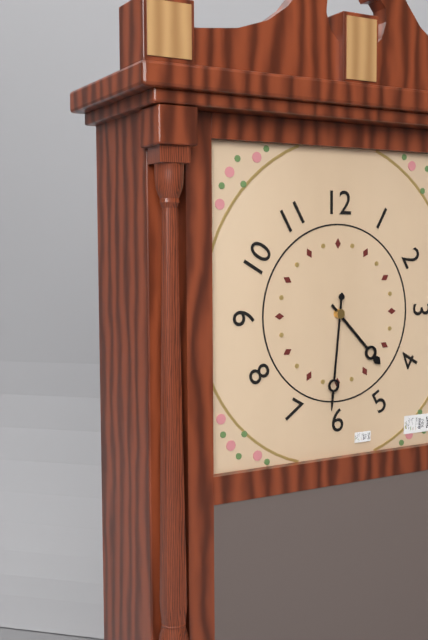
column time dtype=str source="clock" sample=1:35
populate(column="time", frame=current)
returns 4:31
